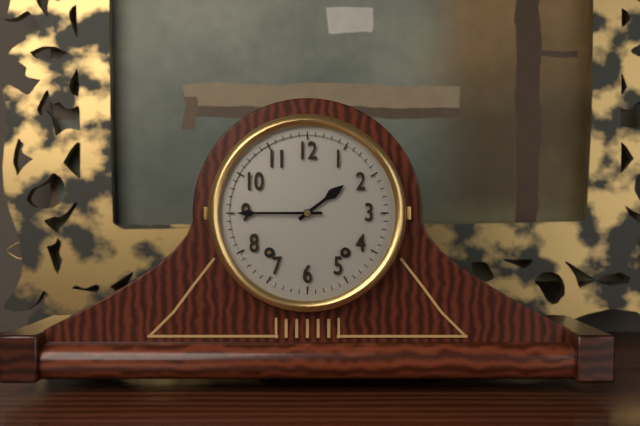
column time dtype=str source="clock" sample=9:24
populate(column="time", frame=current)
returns 1:45
